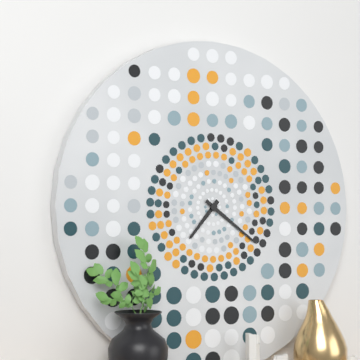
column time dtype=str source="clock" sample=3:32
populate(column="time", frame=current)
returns 7:21
